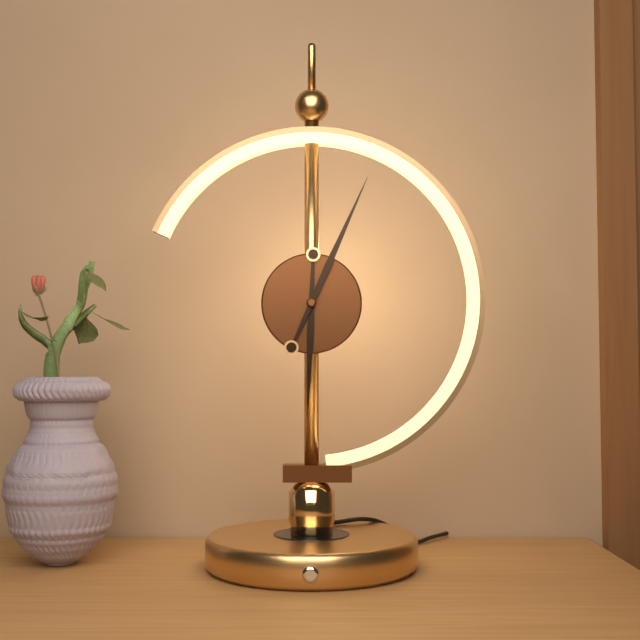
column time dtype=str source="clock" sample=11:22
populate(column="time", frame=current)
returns 6:04
